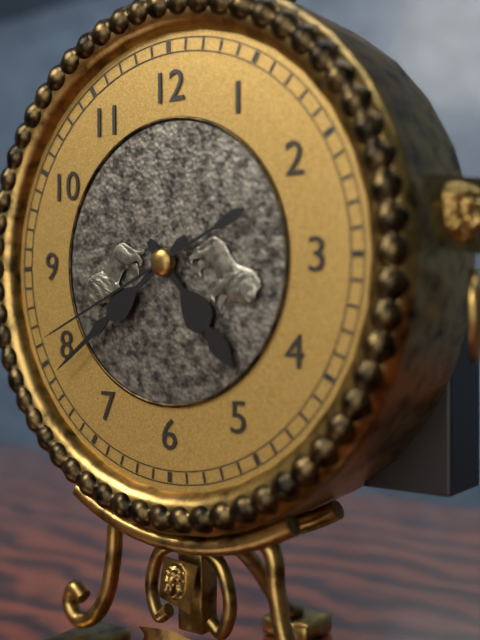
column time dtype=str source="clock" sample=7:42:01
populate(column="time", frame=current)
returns 4:39:41
